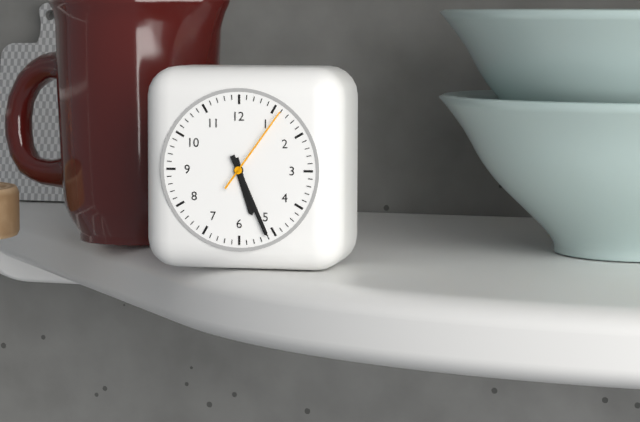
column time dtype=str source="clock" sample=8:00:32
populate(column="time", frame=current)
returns 5:26:06
